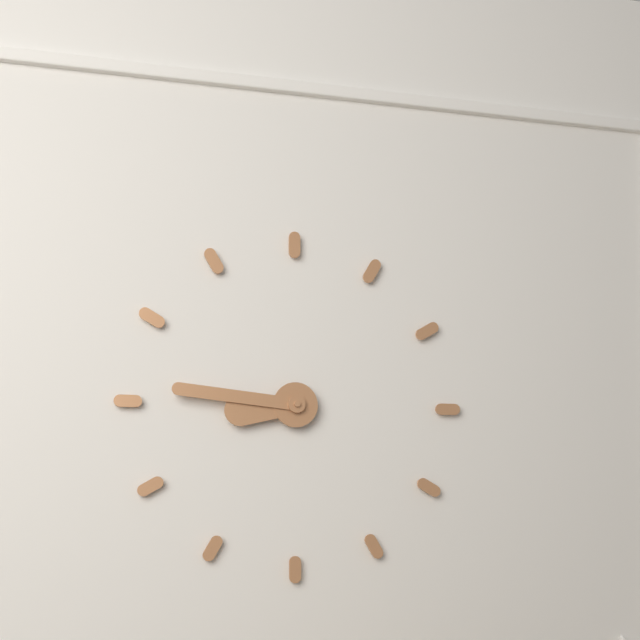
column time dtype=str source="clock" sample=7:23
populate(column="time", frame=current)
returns 8:46
